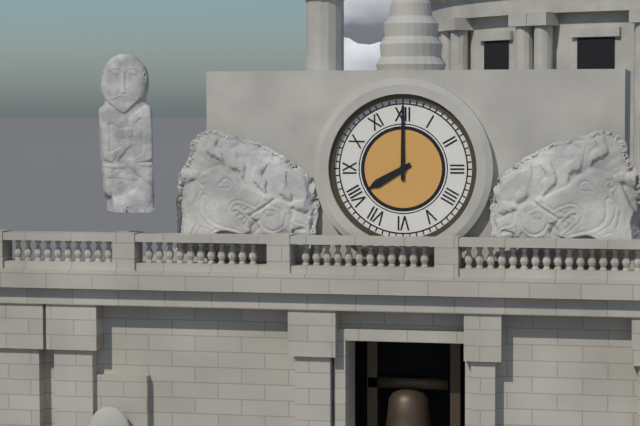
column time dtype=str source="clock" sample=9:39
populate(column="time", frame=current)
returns 8:00
